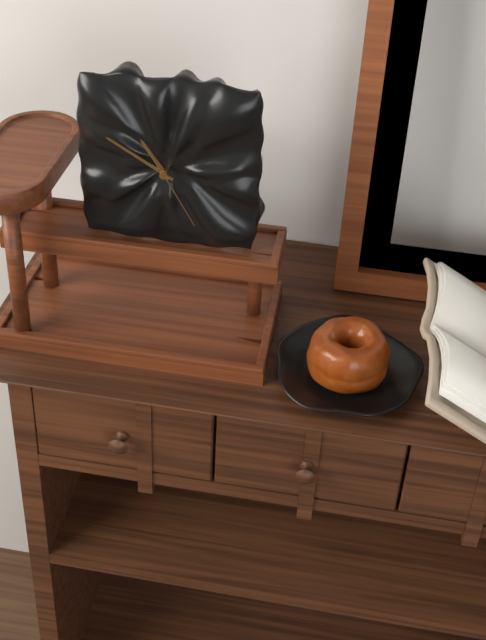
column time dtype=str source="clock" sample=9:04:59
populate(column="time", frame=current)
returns 10:50:25
